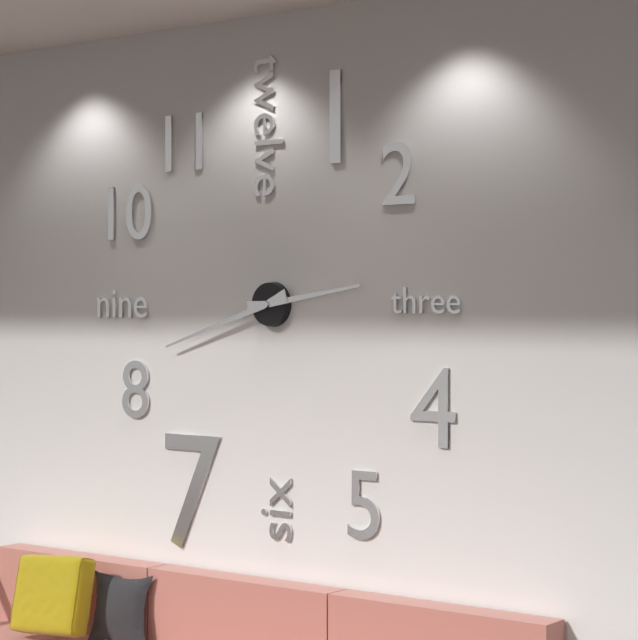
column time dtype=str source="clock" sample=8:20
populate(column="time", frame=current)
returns 2:42
